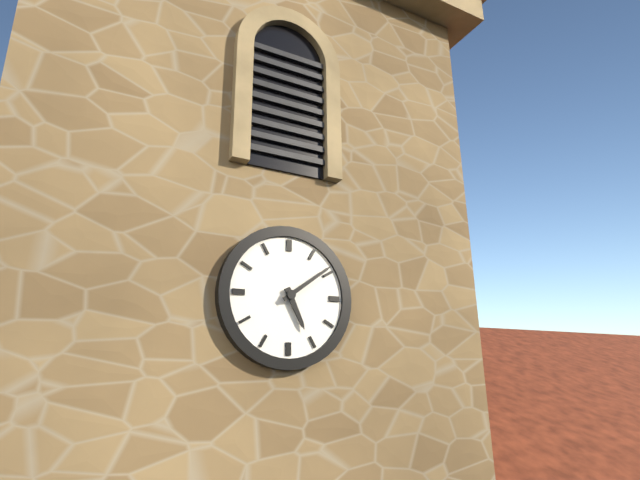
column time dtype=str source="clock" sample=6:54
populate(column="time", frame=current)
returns 5:09
